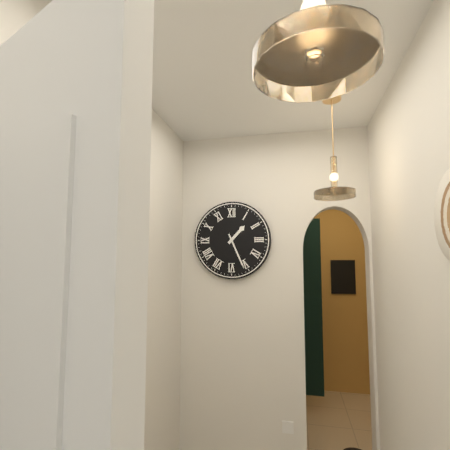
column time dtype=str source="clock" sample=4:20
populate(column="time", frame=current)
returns 1:26
